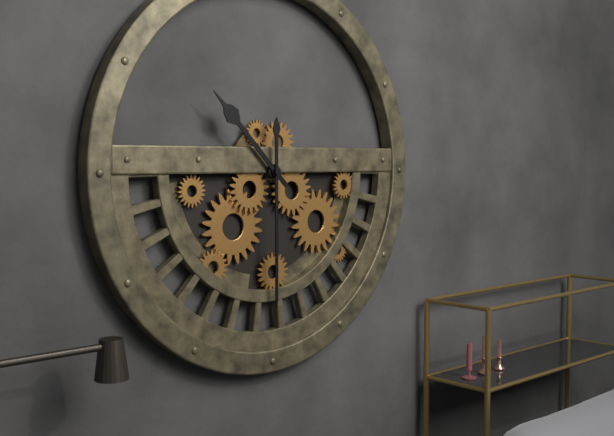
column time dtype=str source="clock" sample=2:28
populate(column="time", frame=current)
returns 10:30
